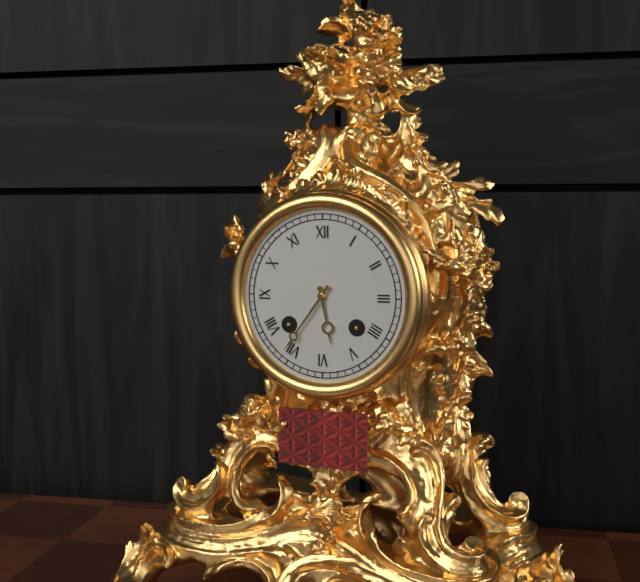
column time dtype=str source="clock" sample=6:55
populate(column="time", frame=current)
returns 5:36
